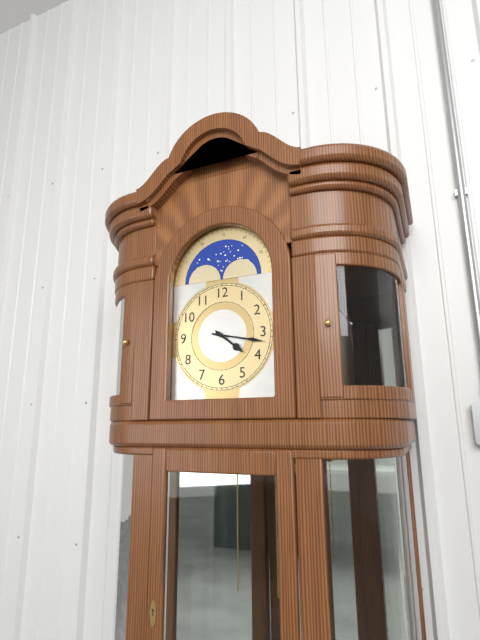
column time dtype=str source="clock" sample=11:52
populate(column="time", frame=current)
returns 4:17
